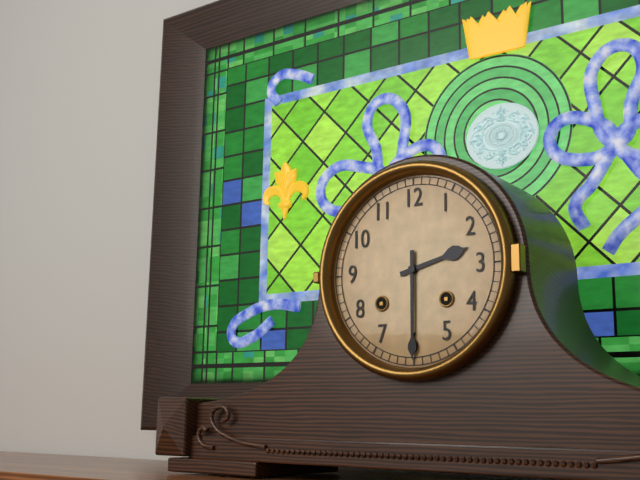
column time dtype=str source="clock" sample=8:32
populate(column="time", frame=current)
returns 2:30
